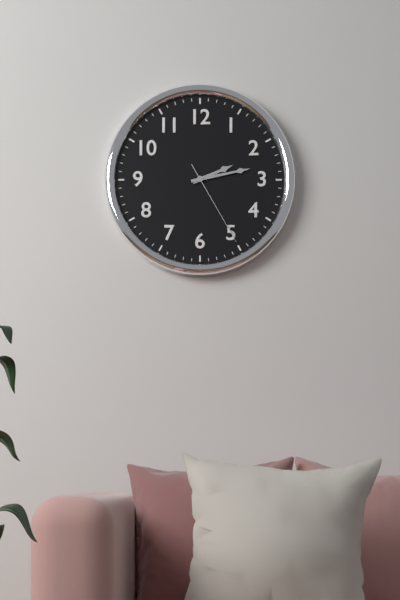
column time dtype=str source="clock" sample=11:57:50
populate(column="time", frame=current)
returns 2:13:25
